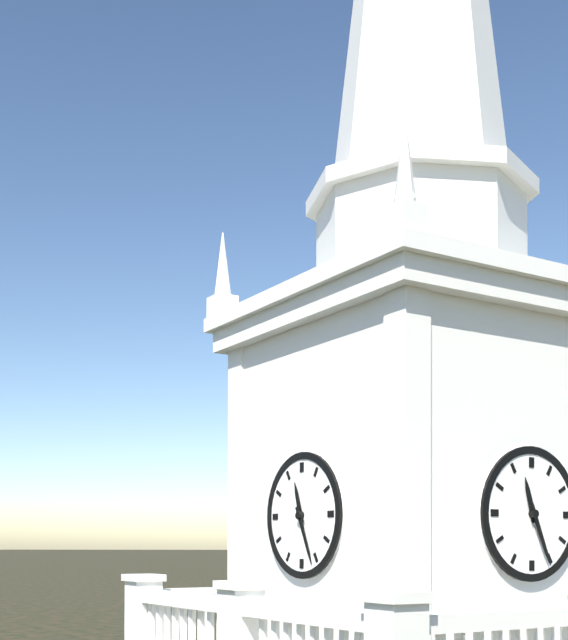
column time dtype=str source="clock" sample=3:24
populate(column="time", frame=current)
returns 11:26
